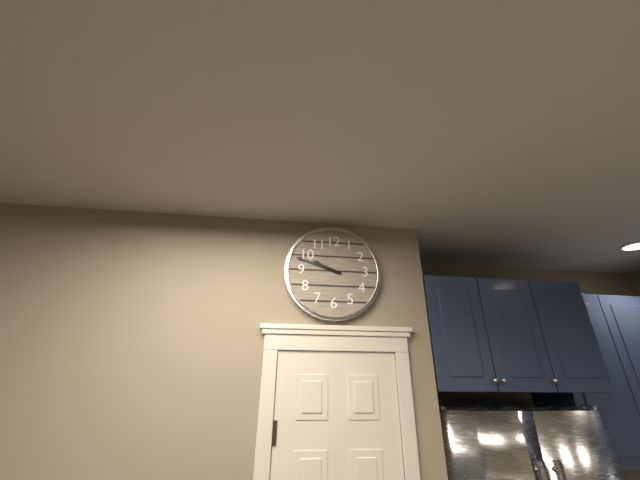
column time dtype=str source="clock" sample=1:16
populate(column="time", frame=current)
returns 9:48
